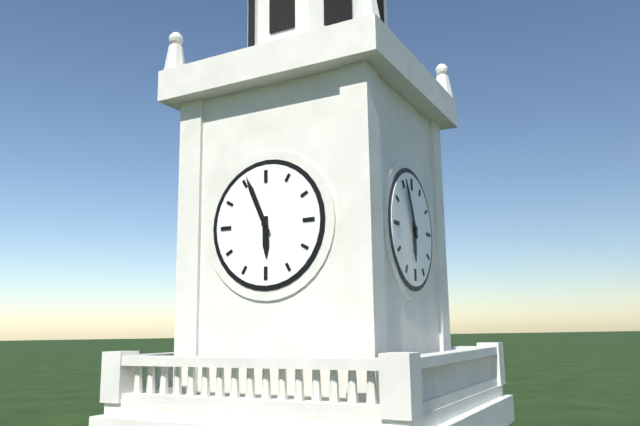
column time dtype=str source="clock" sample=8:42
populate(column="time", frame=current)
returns 5:56
